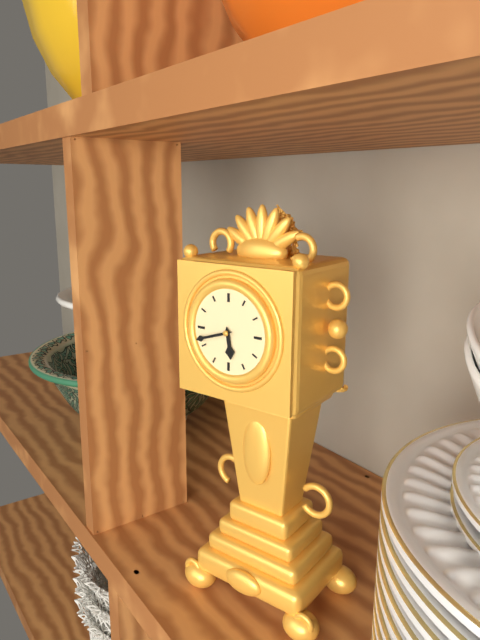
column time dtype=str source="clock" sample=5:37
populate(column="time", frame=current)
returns 5:42
